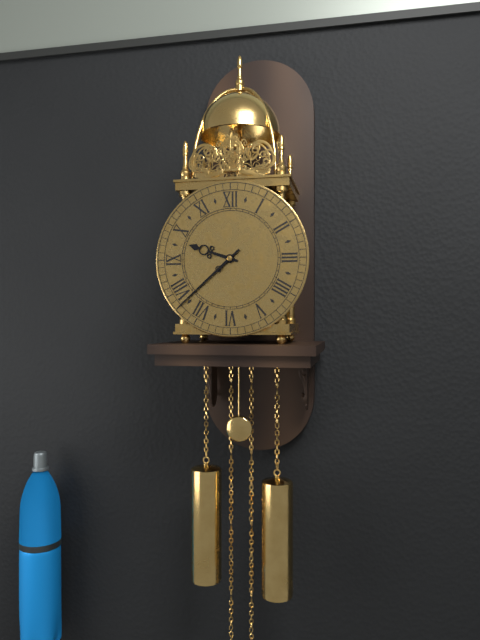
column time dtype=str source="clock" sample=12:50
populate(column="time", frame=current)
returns 9:38
